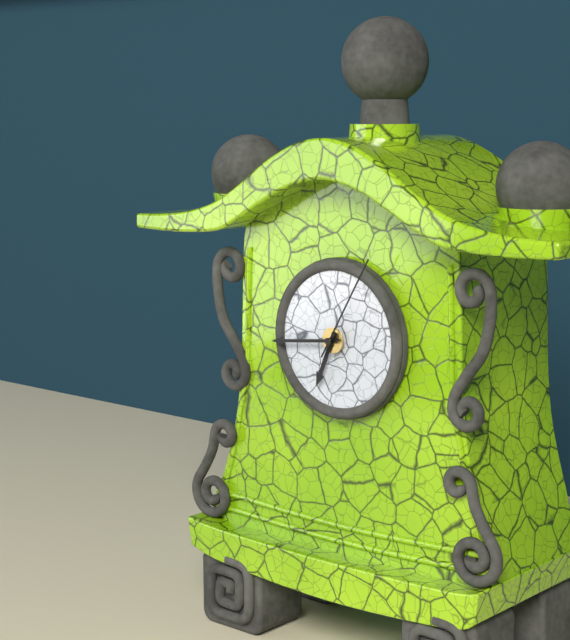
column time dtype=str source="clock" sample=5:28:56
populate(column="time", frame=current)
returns 6:44:05
